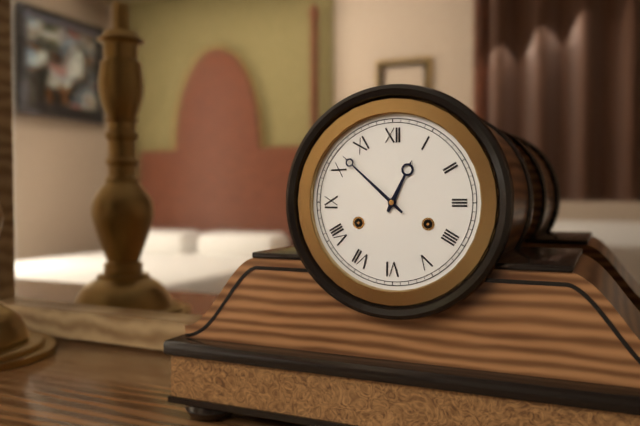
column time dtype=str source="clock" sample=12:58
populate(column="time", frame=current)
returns 12:52
